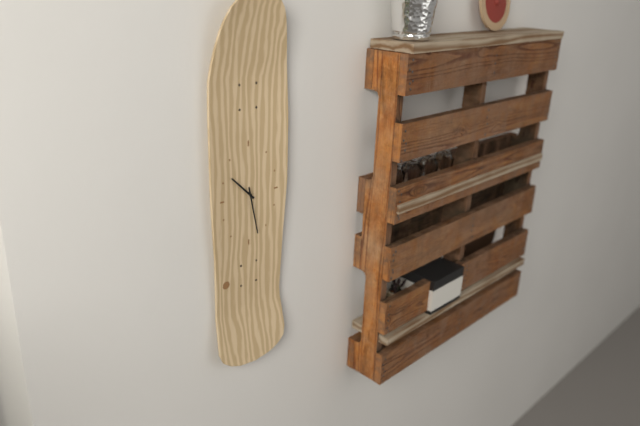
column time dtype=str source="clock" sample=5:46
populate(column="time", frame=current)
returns 10:28
